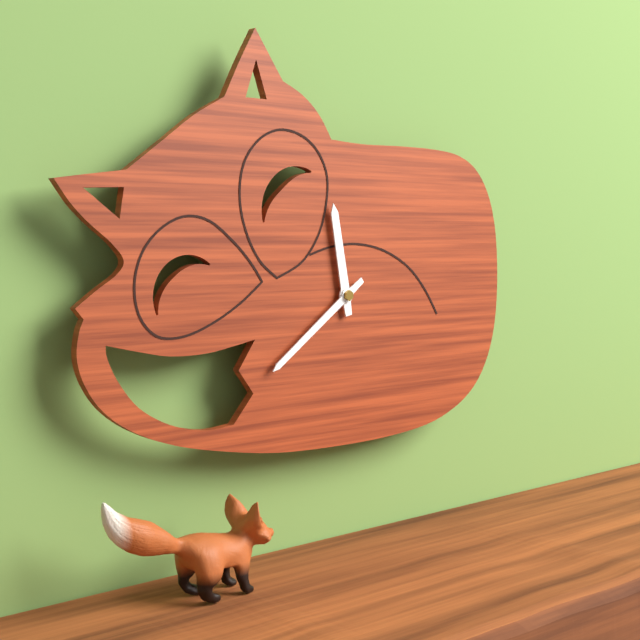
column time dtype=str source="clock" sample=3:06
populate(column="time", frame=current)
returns 11:39
